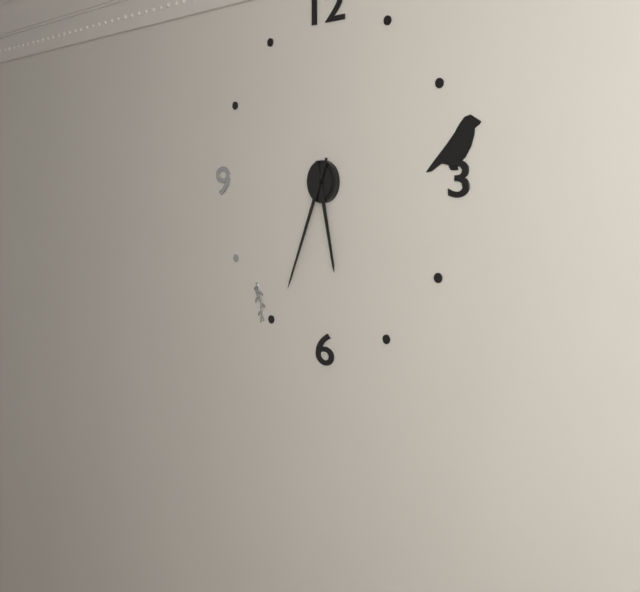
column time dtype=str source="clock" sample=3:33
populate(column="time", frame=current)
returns 5:34
